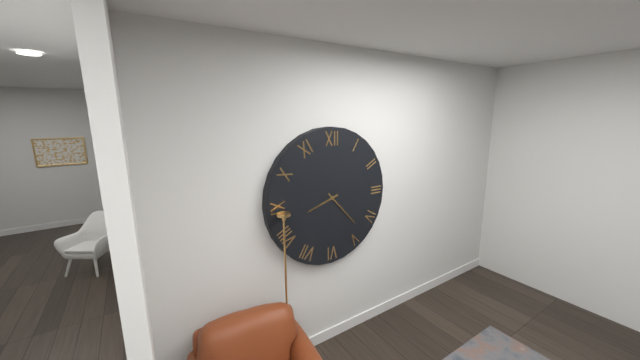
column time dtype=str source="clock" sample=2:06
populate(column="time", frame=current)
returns 8:23
